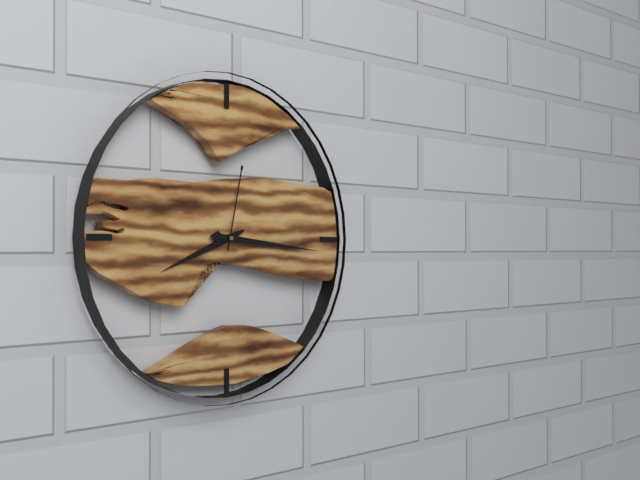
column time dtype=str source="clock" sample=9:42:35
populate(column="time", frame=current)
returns 8:16:02
